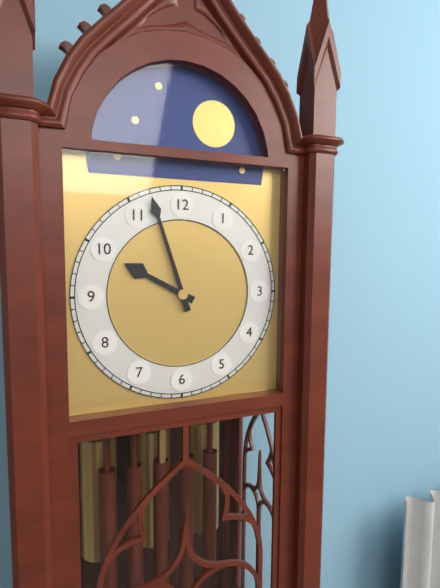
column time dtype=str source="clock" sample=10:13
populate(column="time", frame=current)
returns 9:57
